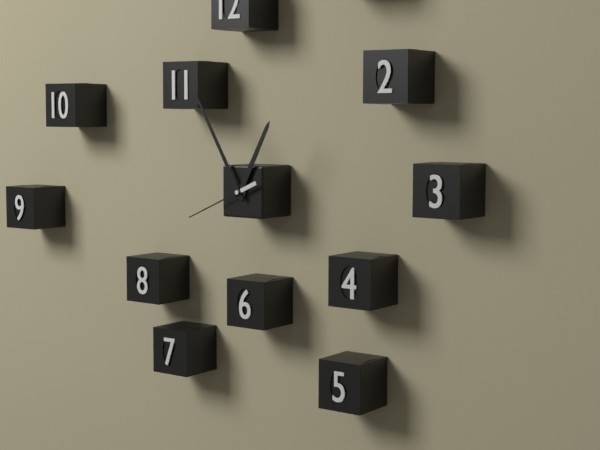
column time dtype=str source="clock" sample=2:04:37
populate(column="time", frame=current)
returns 12:55:41
